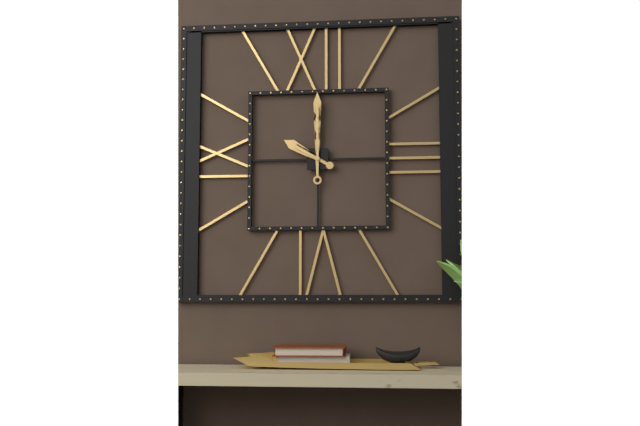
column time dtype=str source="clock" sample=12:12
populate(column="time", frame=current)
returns 10:00
